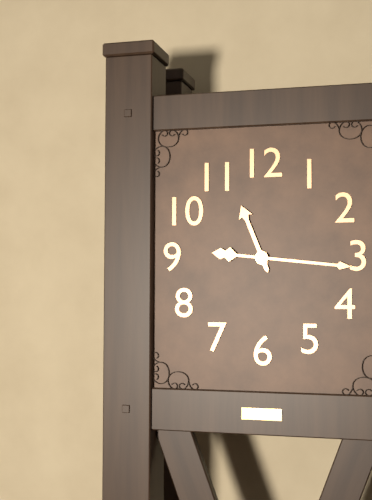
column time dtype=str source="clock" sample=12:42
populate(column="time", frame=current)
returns 11:16
